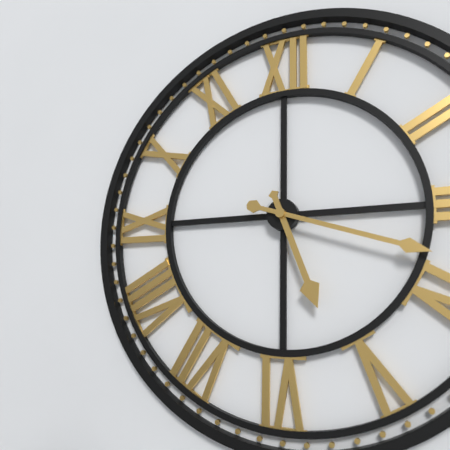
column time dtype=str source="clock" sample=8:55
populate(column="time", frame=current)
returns 5:18
